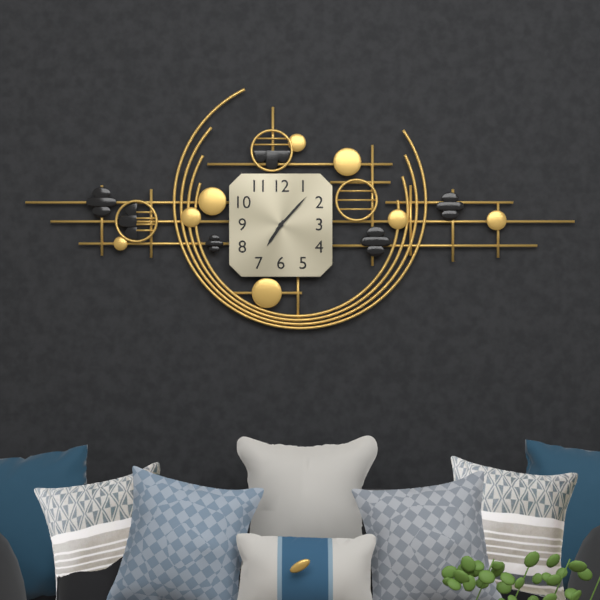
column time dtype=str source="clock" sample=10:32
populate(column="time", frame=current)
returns 7:07
